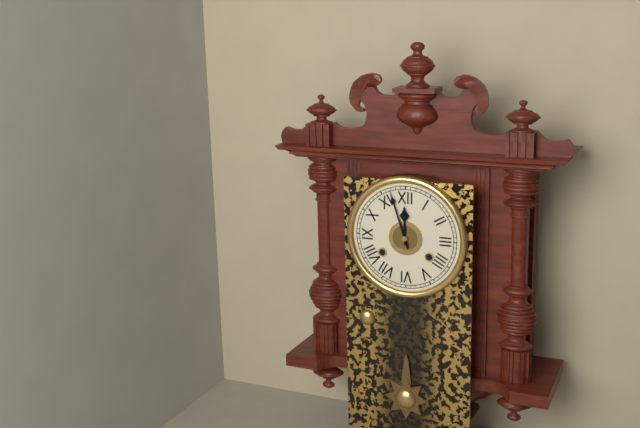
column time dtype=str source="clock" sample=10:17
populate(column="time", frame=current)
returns 11:57
